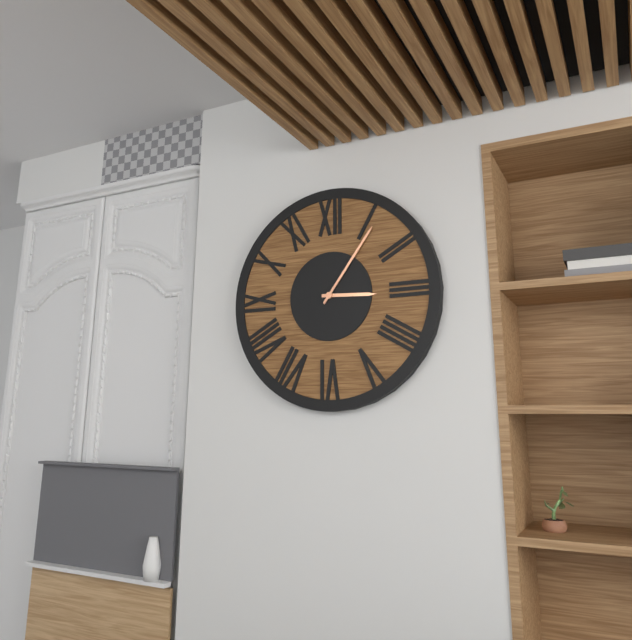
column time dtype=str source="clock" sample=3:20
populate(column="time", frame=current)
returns 3:06
